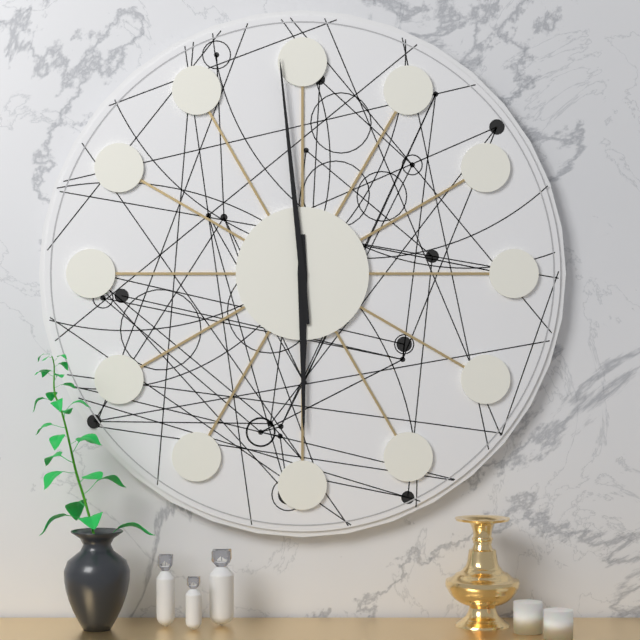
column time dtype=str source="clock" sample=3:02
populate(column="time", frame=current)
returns 5:59
